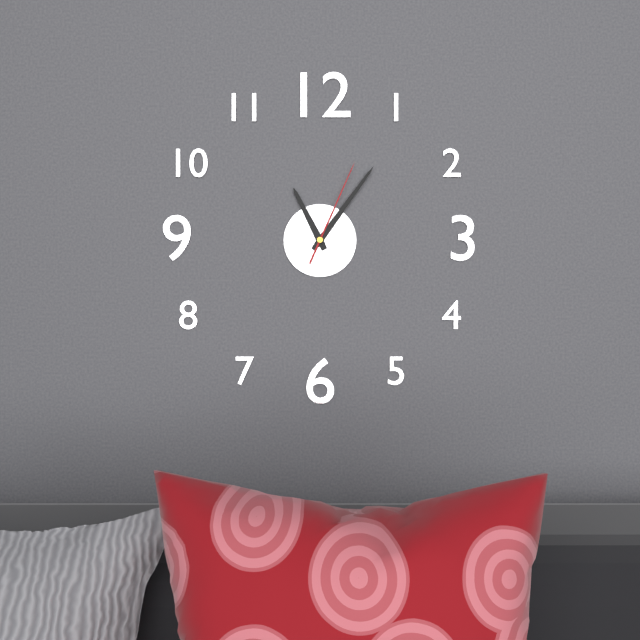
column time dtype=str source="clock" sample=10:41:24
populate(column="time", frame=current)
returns 11:06:04
